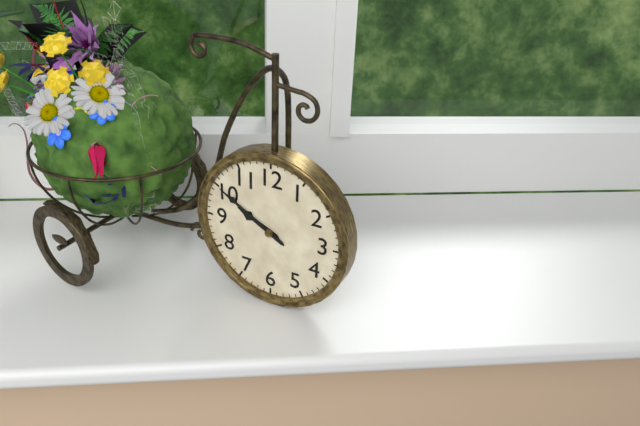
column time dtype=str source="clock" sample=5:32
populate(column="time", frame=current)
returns 9:50
